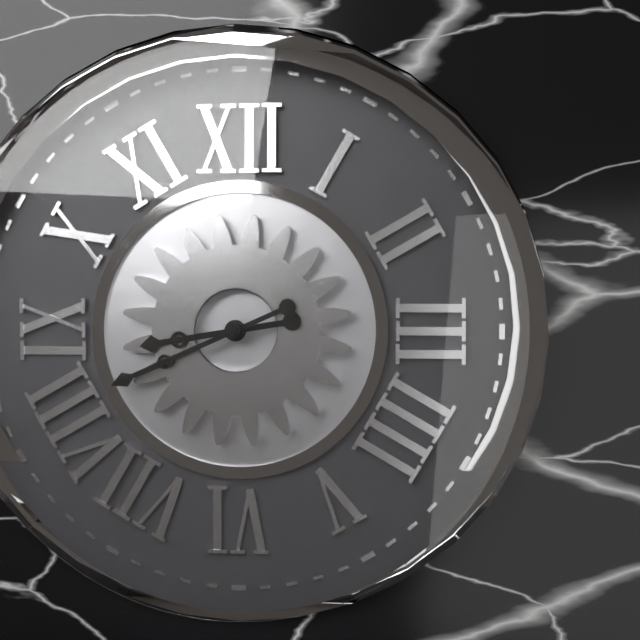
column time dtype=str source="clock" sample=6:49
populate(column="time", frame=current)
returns 8:41
